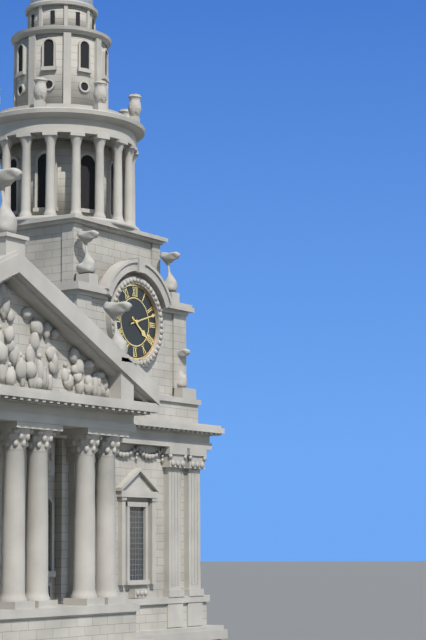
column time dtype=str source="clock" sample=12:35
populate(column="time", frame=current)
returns 4:12
